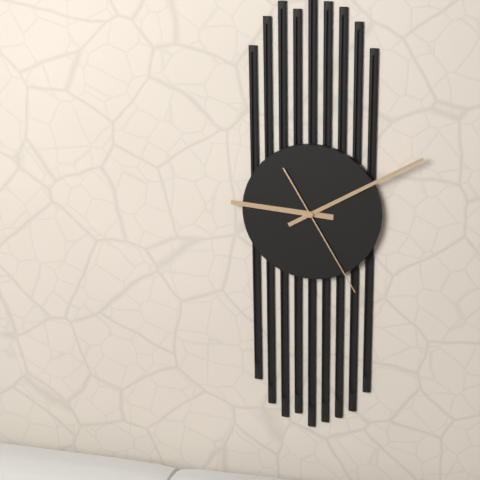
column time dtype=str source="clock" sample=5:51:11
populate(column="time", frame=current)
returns 9:10:25
